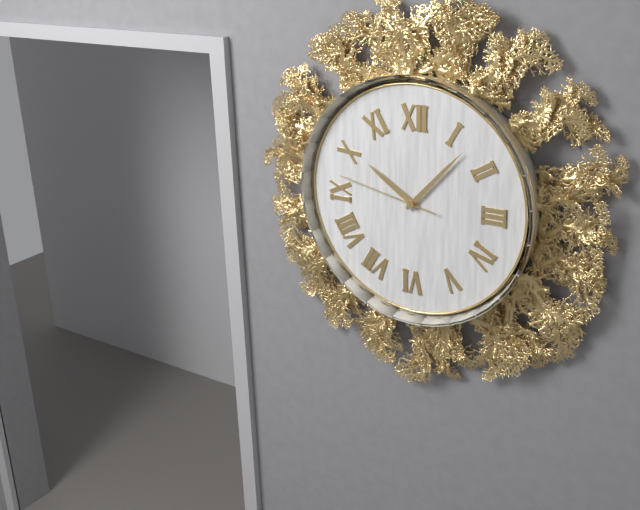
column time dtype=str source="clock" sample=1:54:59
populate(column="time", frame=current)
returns 10:07:47
